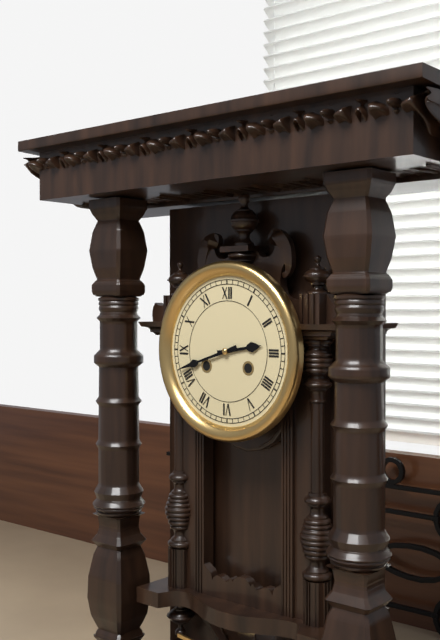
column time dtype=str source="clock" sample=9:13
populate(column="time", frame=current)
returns 2:42
